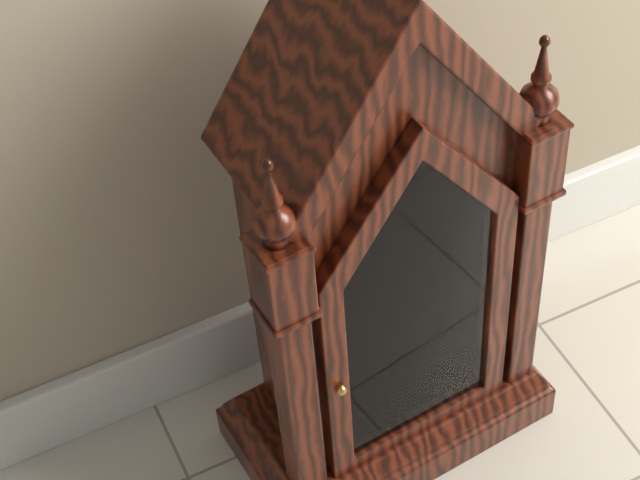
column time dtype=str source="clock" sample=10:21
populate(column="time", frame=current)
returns 6:59
